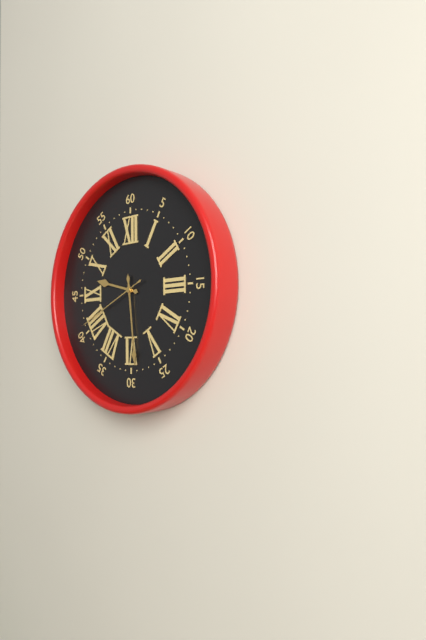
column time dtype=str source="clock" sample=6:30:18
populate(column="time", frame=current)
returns 9:29:41
